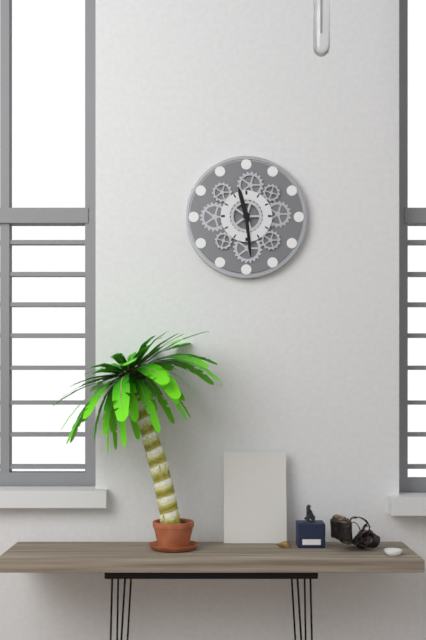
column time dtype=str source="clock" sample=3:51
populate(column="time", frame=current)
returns 11:29
